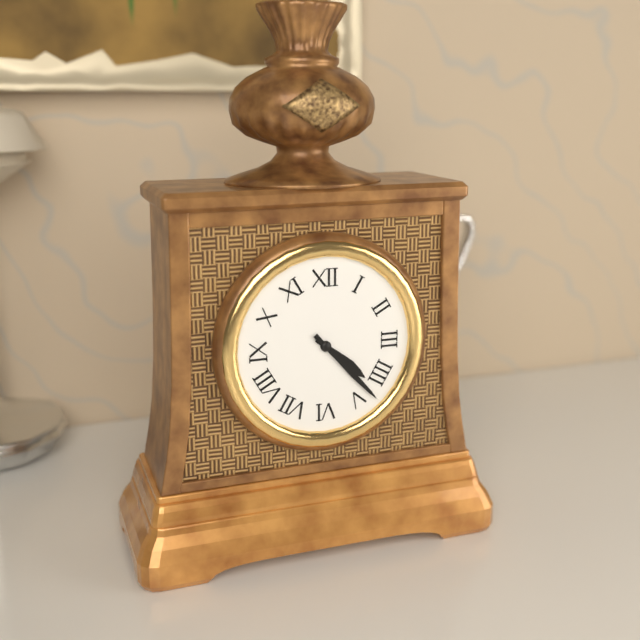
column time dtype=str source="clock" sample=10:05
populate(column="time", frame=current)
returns 4:23
